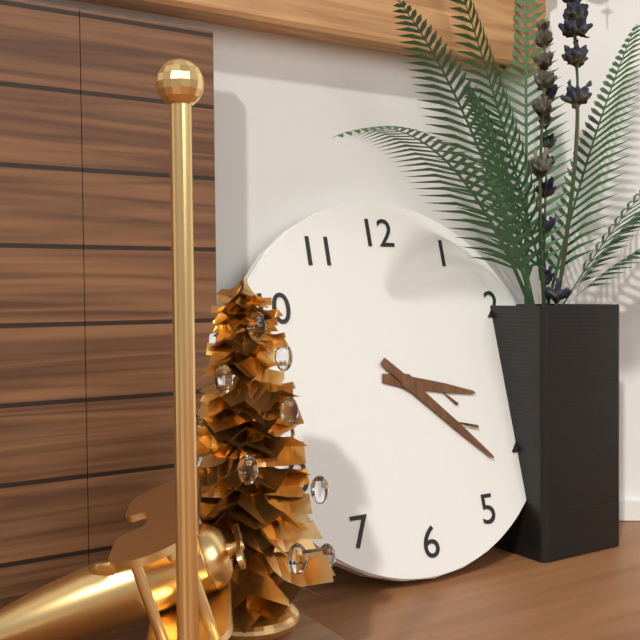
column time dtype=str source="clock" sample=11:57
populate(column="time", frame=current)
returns 3:22
